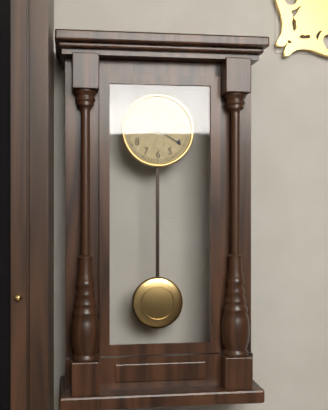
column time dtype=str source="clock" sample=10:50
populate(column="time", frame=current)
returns 1:20
